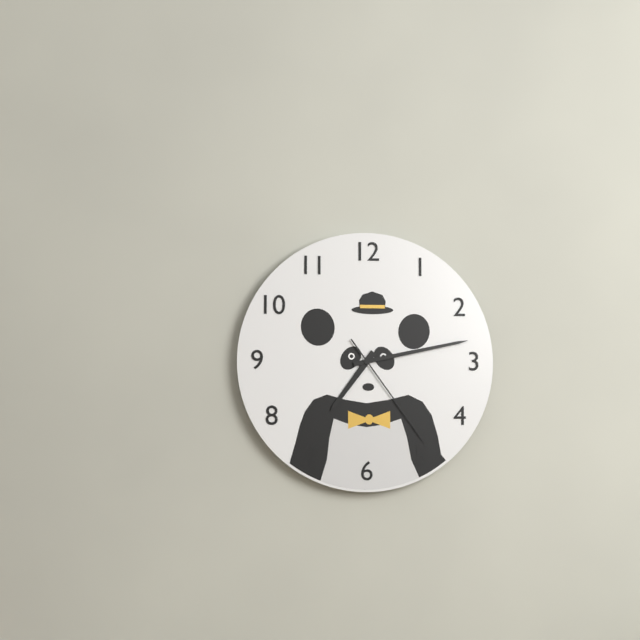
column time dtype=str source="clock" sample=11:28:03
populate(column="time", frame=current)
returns 7:13:24
